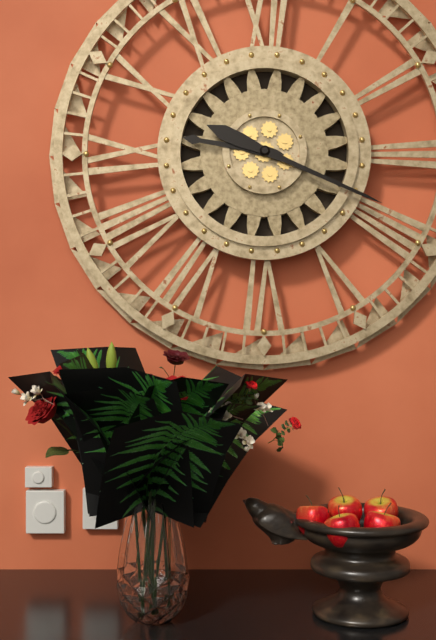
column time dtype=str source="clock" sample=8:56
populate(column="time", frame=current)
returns 9:19
